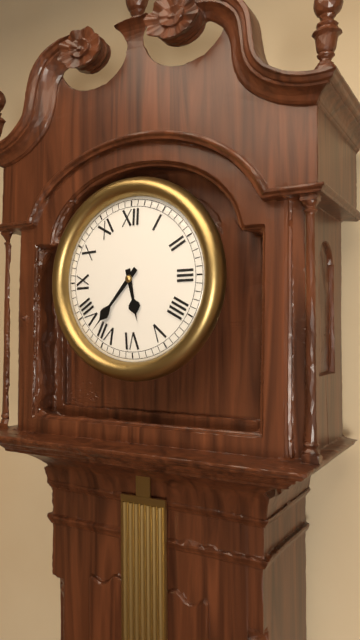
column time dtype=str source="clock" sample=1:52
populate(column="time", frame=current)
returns 5:37
